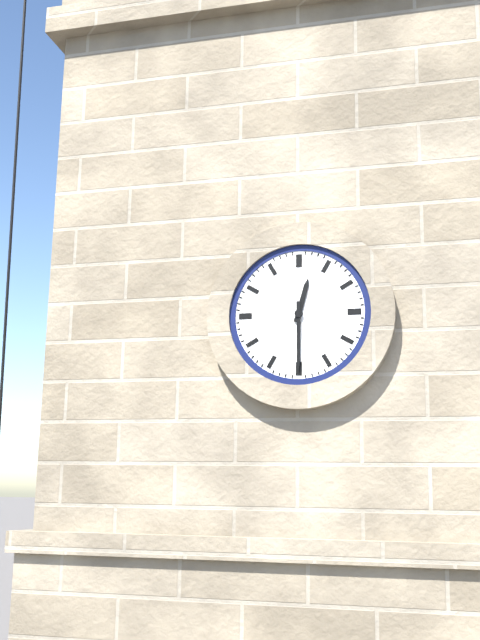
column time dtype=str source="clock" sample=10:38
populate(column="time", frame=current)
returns 12:30
